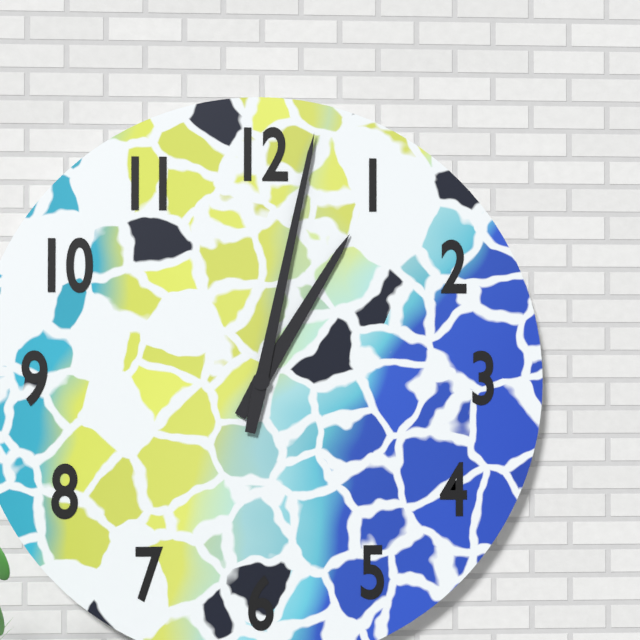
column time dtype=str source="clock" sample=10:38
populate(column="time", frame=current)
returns 1:02
